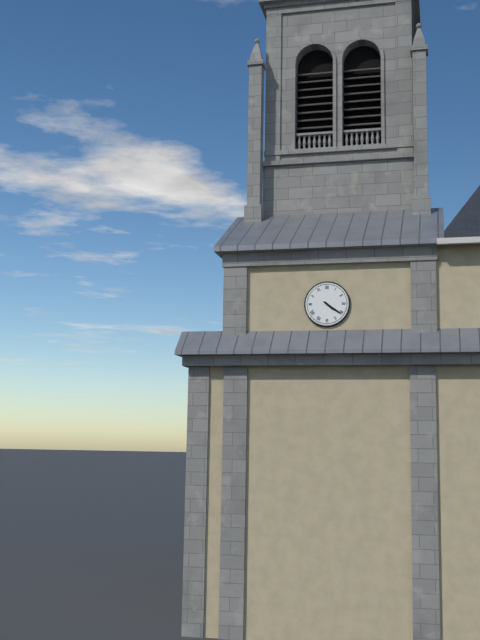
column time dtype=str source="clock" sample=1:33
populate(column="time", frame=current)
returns 4:21
